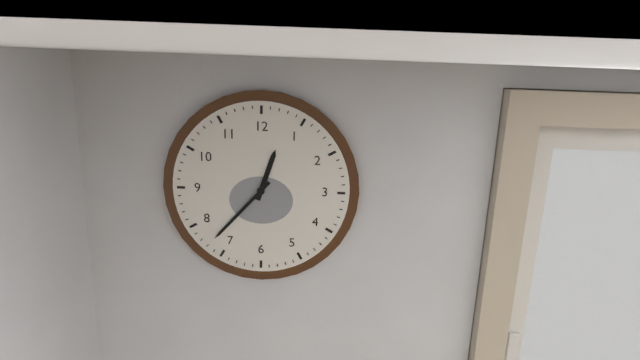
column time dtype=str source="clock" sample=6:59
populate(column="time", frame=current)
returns 12:37
